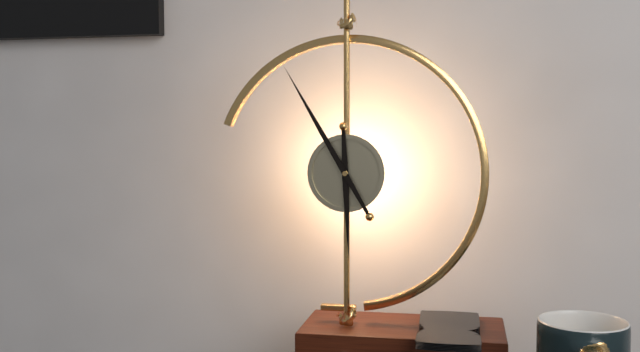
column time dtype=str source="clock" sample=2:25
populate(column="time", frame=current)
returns 5:55
